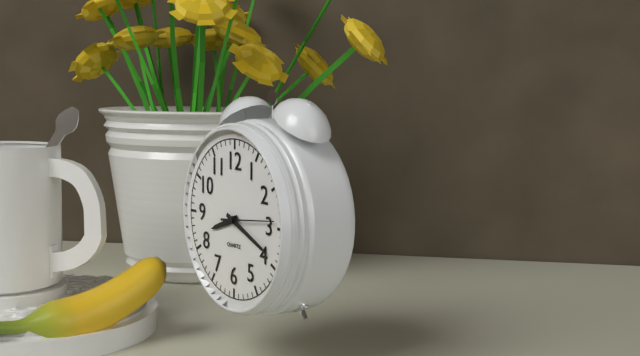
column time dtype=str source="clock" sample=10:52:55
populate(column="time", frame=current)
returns 8:19:14
